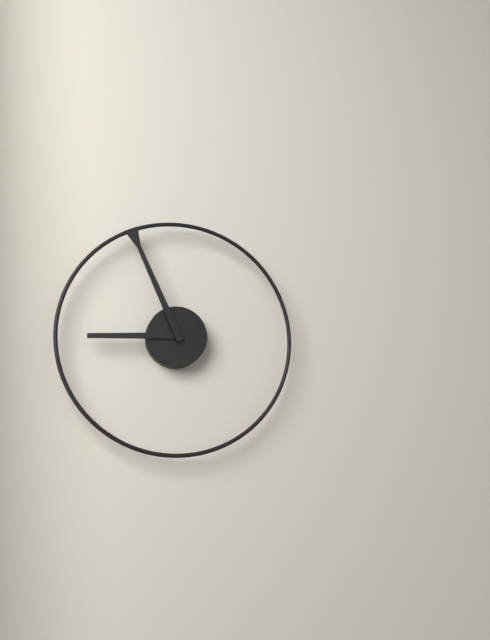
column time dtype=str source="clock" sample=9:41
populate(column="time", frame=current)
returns 8:56
